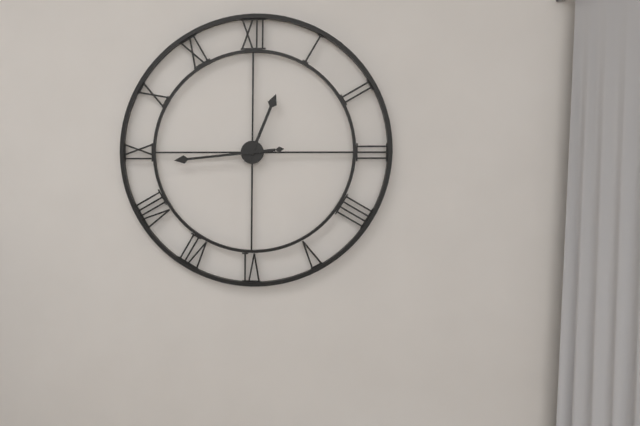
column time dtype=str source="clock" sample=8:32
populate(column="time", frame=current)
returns 12:44
